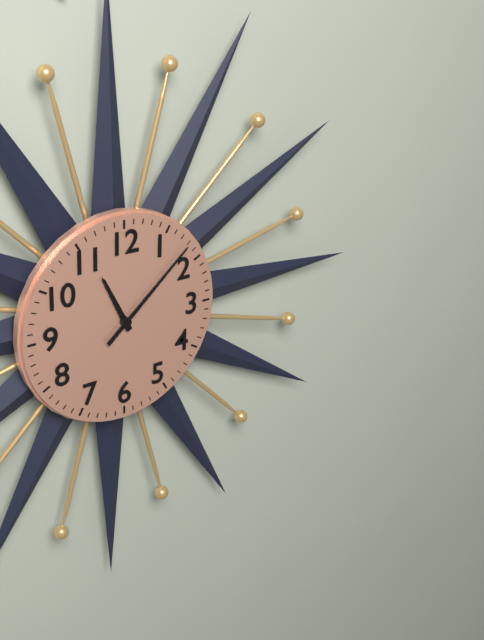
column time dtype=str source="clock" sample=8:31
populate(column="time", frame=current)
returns 11:08
